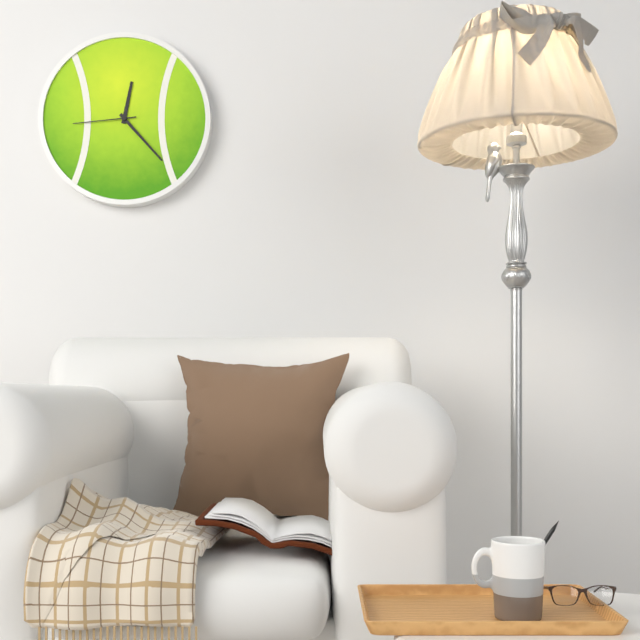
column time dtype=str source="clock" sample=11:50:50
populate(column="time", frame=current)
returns 12:23:44
